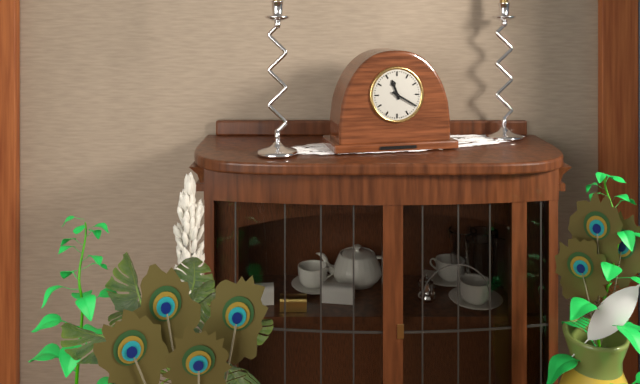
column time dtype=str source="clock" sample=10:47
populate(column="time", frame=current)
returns 11:20
